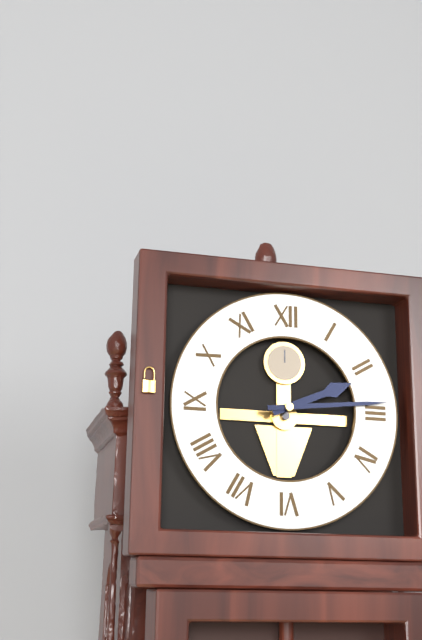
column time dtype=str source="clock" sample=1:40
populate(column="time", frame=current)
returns 2:14
